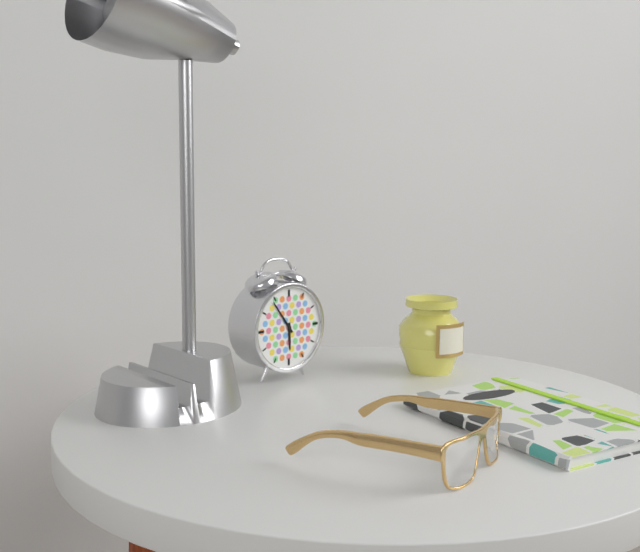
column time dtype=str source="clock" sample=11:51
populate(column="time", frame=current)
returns 5:54
